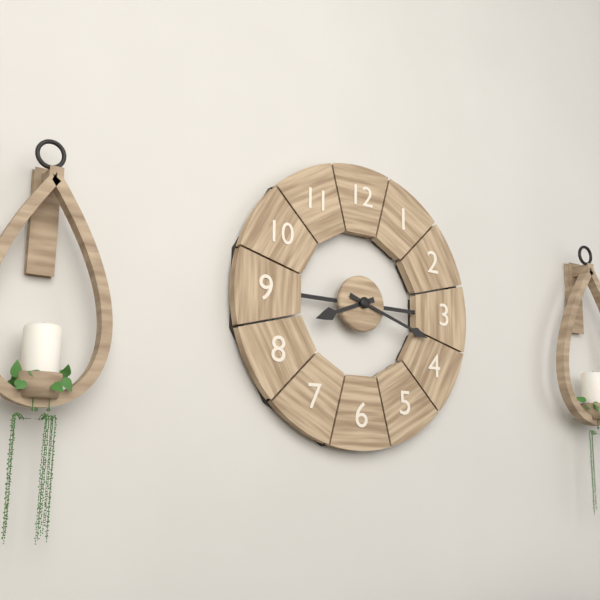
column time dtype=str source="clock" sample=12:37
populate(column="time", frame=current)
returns 8:18
